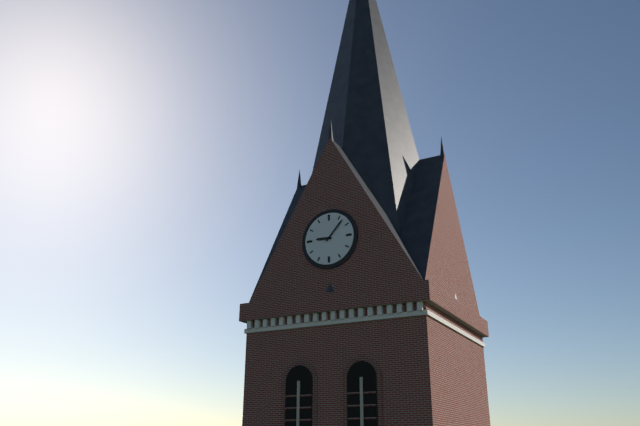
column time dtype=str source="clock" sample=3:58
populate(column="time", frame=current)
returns 9:07
